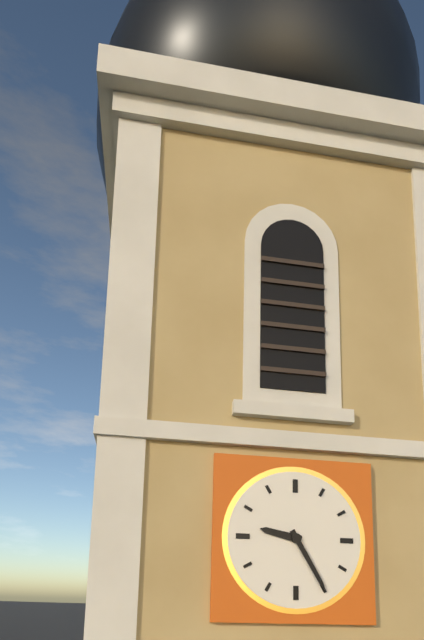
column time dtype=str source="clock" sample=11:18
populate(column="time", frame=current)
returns 9:25
